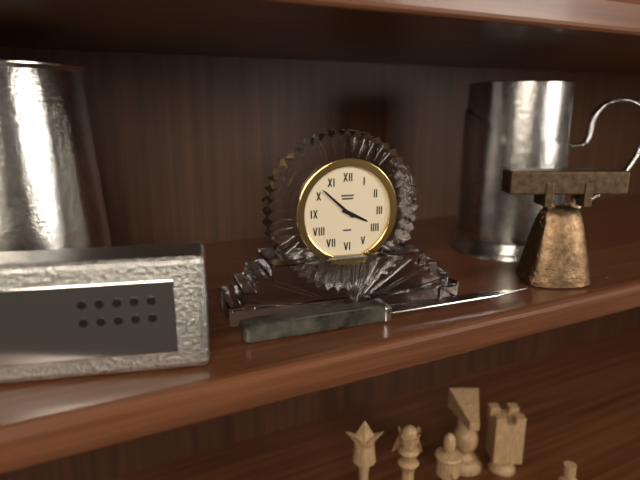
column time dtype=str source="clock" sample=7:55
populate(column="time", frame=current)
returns 3:52
